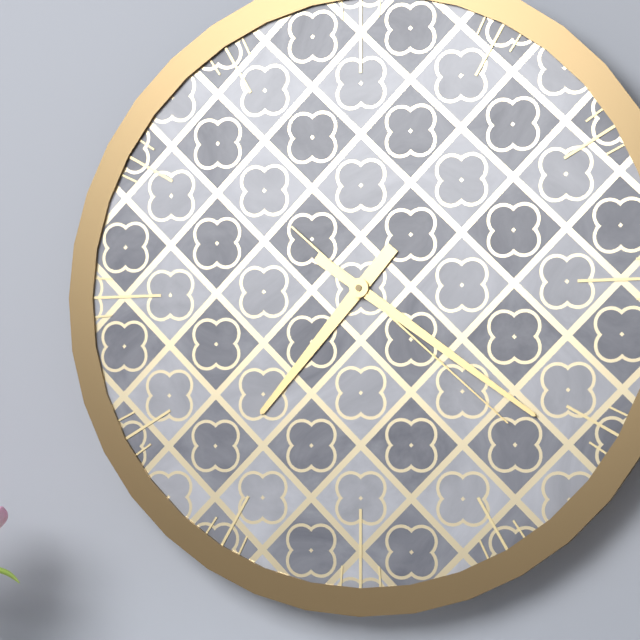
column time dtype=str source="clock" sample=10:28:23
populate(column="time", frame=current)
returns 7:21:22
